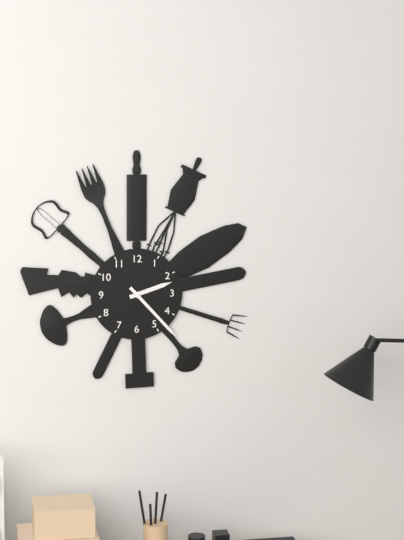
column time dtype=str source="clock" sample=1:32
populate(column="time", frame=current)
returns 2:23
